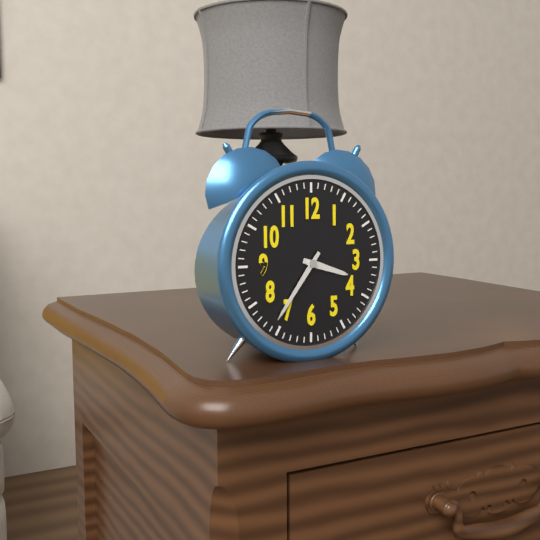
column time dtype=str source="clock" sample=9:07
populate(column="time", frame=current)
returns 3:36
